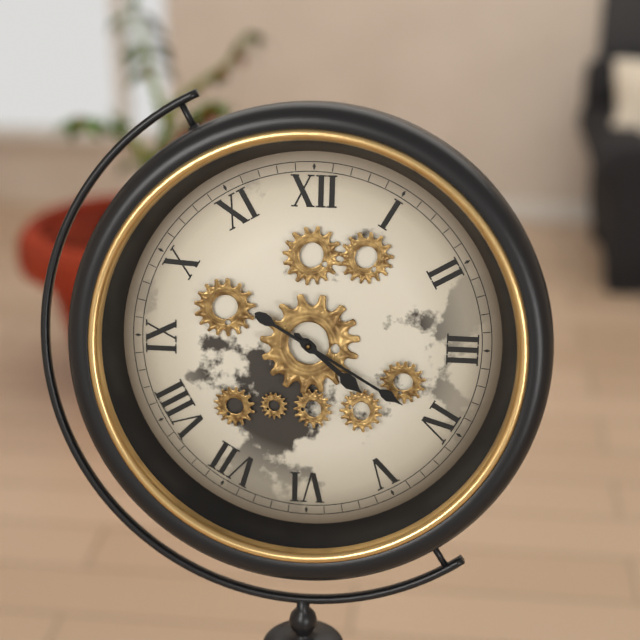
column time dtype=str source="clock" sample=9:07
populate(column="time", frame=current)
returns 4:20
